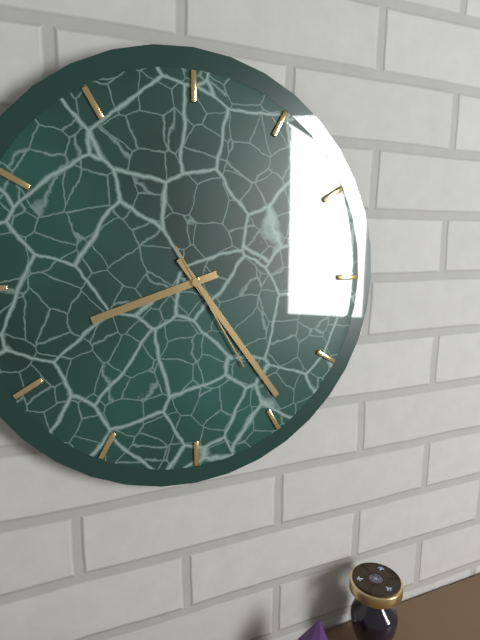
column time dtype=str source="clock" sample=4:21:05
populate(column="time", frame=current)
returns 8:24:25
